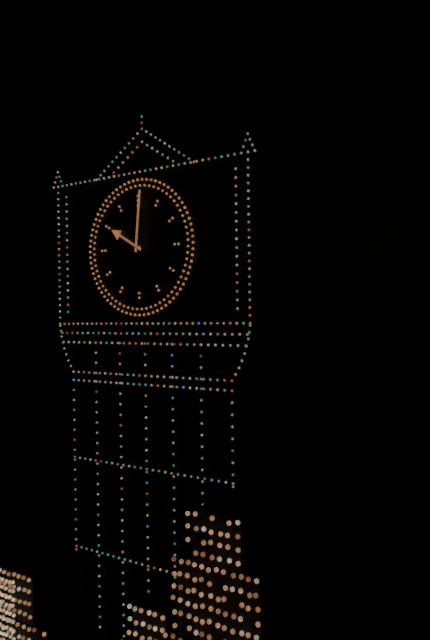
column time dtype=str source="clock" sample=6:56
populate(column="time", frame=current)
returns 10:01
